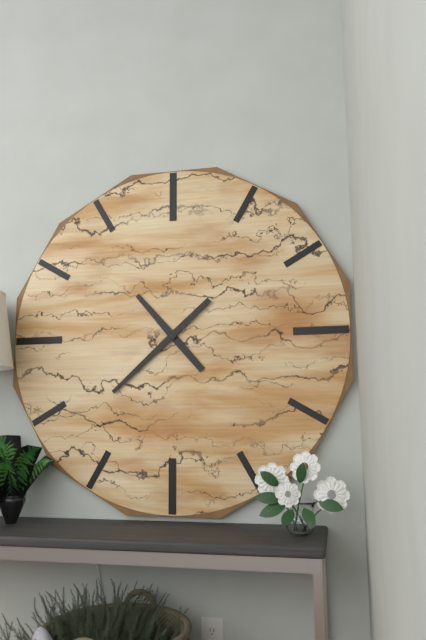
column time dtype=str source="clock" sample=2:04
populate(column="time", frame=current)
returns 10:38
